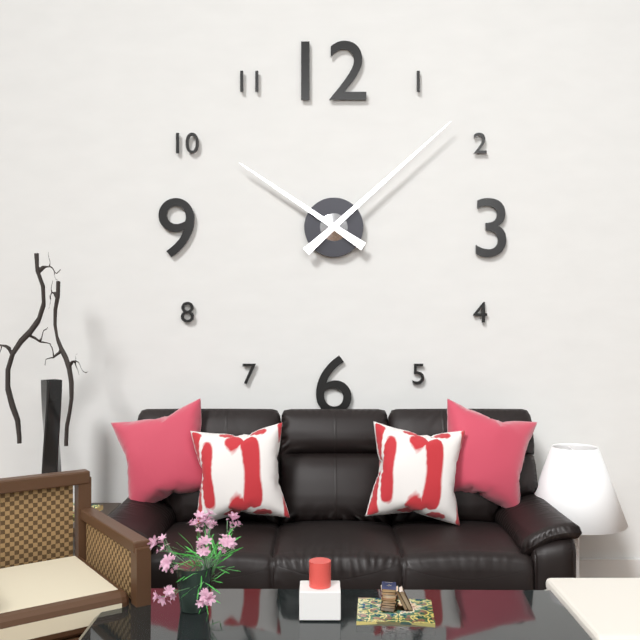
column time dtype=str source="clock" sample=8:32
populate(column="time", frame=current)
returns 10:08
